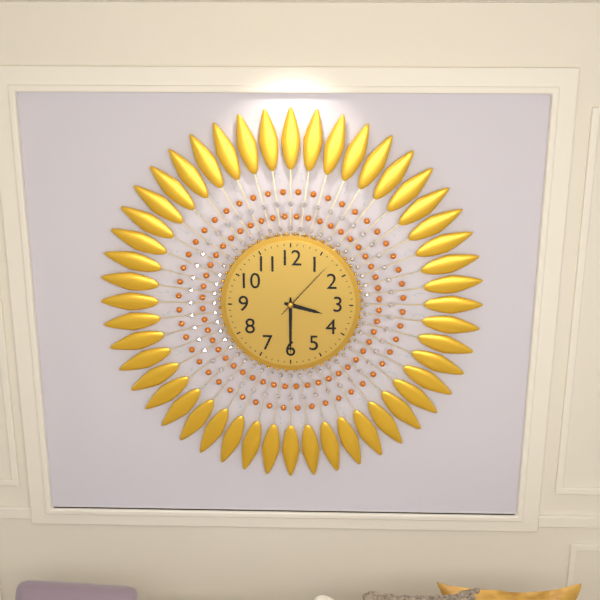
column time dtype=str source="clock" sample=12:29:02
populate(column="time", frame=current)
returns 3:30:07
